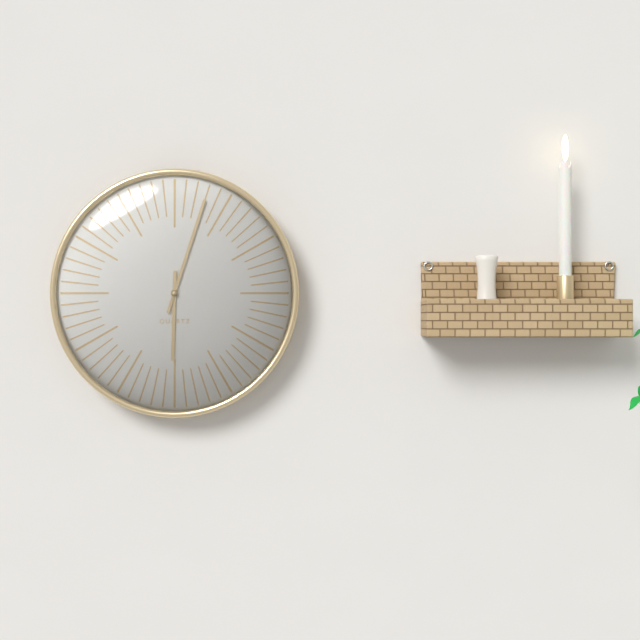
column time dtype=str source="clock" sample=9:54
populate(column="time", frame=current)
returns 6:03
